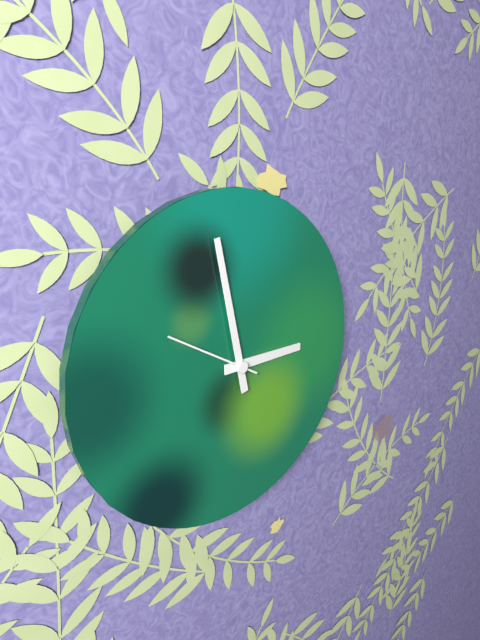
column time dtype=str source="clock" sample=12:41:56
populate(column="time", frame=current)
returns 2:58:50
